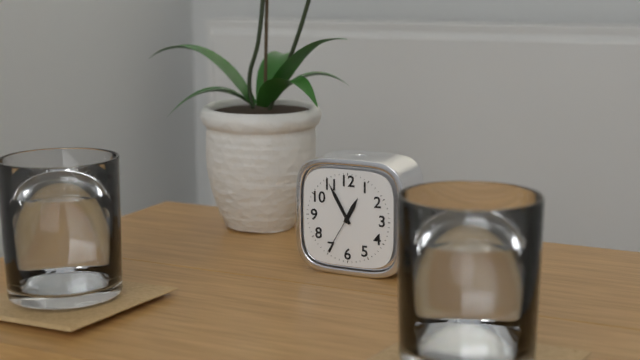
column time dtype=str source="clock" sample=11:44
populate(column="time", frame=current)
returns 12:55
